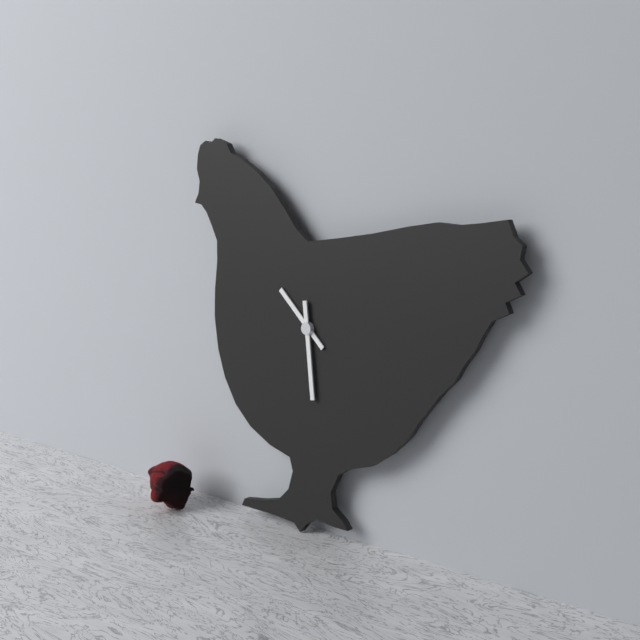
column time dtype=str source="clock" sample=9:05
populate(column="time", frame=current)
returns 10:29
